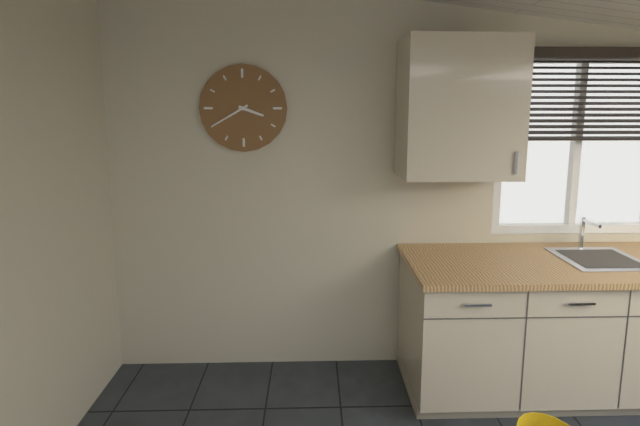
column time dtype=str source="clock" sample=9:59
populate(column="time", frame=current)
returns 3:40
